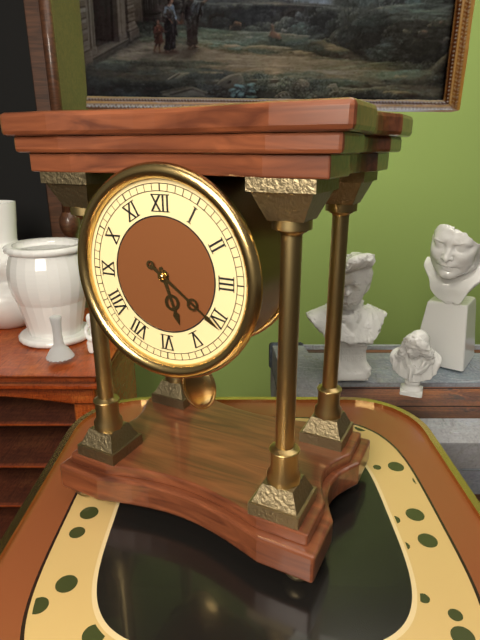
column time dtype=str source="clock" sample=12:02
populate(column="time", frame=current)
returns 5:21
